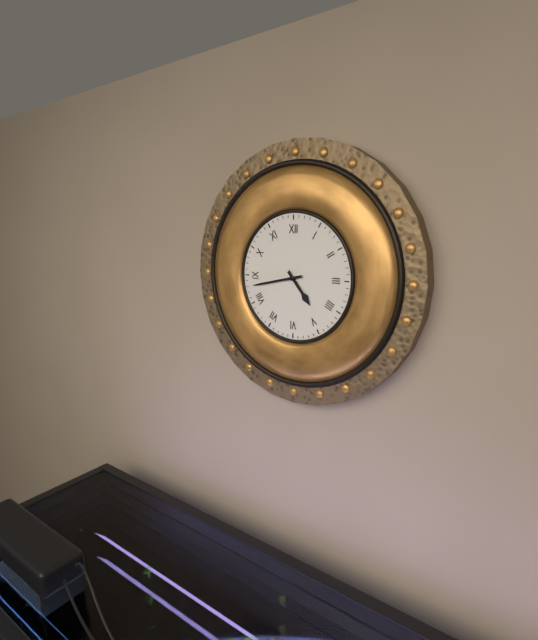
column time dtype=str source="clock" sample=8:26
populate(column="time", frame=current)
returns 4:43
